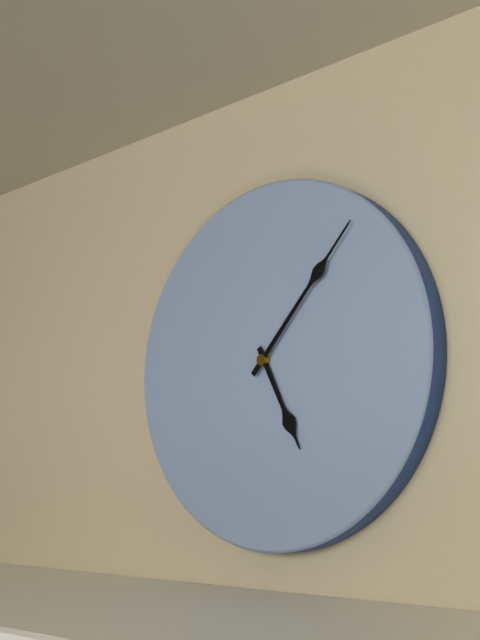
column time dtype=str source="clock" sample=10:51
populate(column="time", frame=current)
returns 5:07
